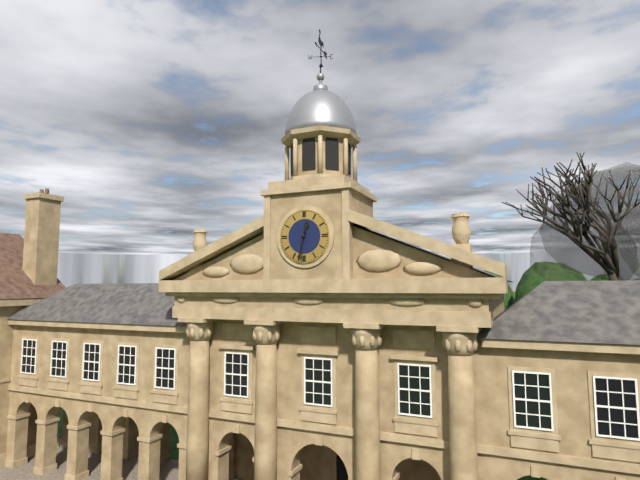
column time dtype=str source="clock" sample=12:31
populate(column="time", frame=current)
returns 12:32
